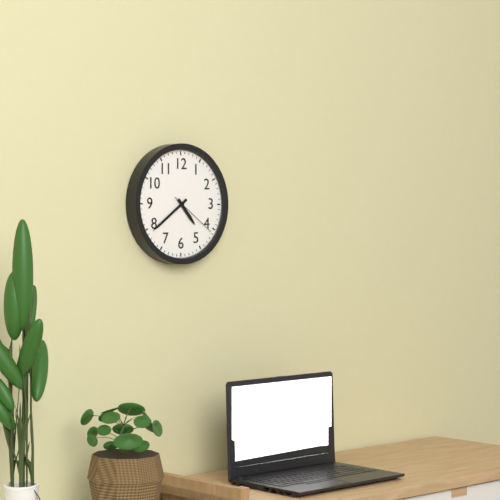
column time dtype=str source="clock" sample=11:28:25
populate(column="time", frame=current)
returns 4:39:21
